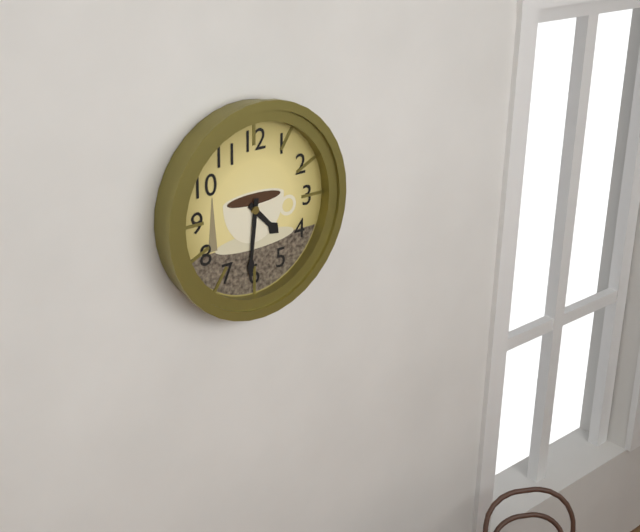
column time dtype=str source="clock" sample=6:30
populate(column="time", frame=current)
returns 4:31
